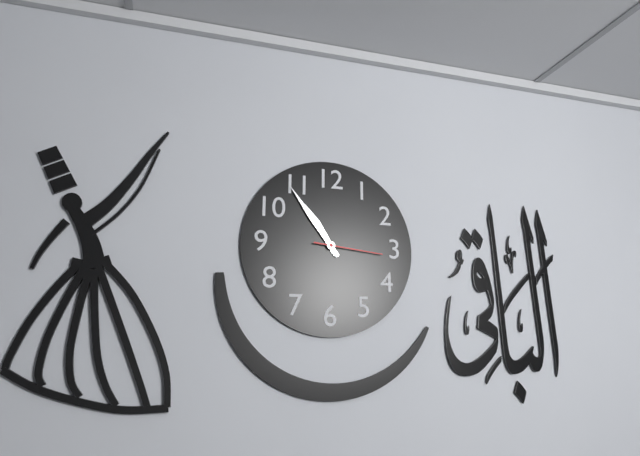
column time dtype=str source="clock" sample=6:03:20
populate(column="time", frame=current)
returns 10:54:16
